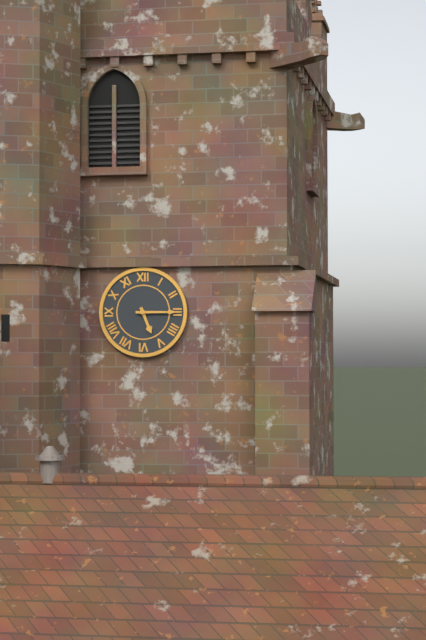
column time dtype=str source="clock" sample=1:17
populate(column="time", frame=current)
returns 5:15
